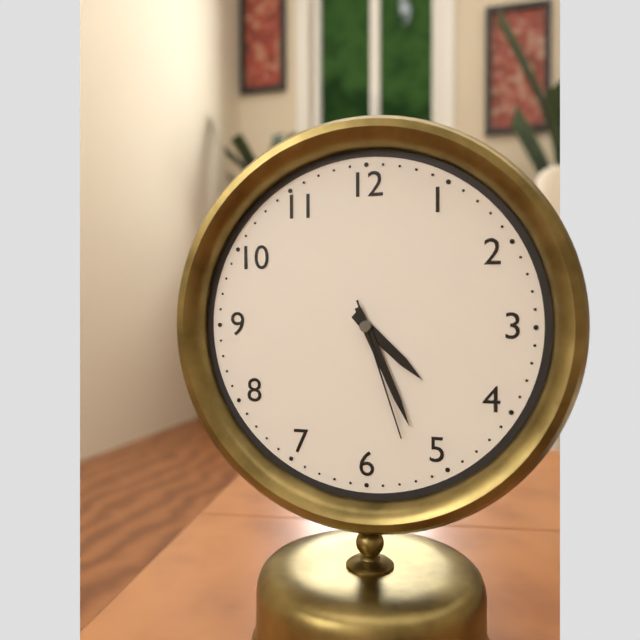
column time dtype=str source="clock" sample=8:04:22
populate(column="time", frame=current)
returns 4:26:27
